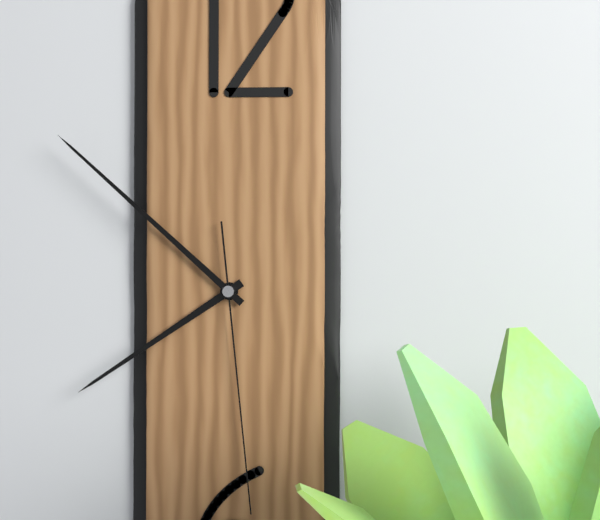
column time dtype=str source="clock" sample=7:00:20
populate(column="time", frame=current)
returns 7:52:29
